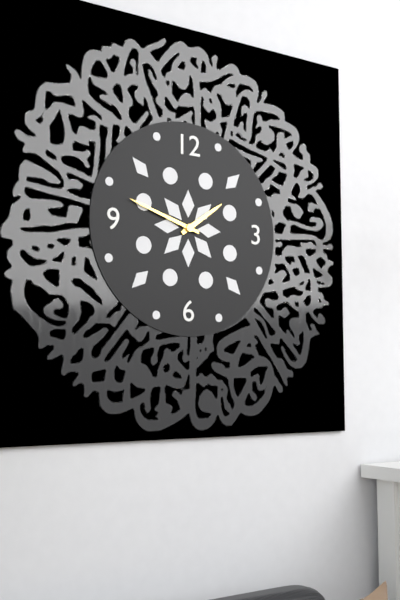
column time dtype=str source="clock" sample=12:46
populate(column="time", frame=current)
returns 1:48
